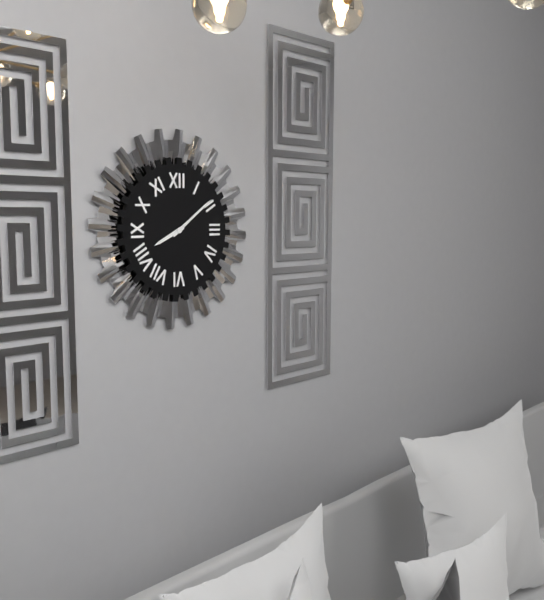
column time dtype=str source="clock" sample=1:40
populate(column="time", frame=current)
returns 8:09
